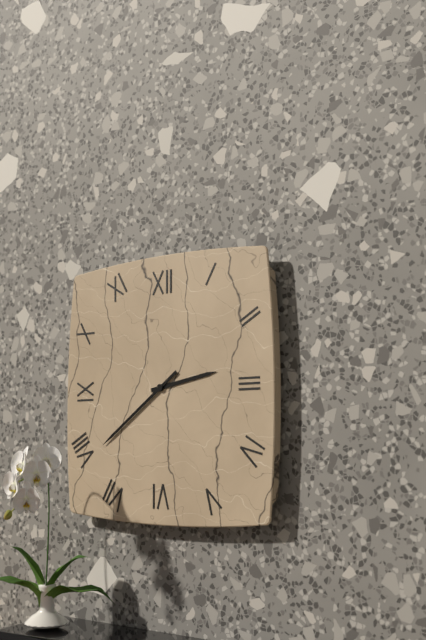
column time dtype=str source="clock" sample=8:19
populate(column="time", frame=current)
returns 2:39
